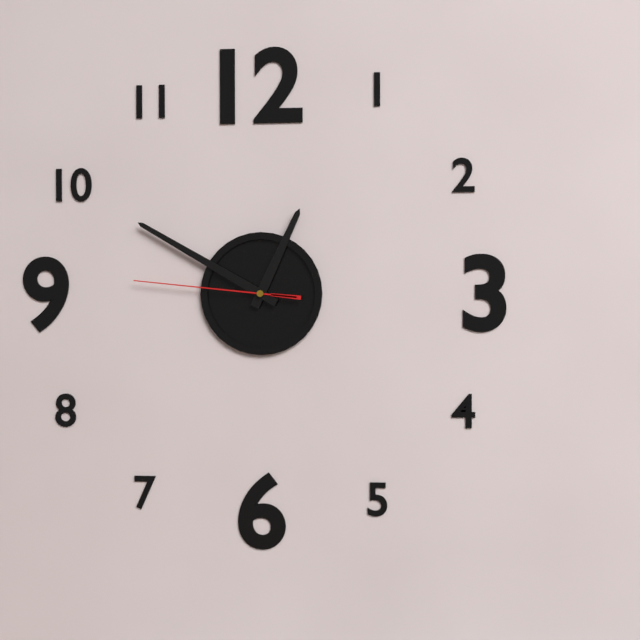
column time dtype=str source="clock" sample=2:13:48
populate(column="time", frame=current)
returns 12:50:46
